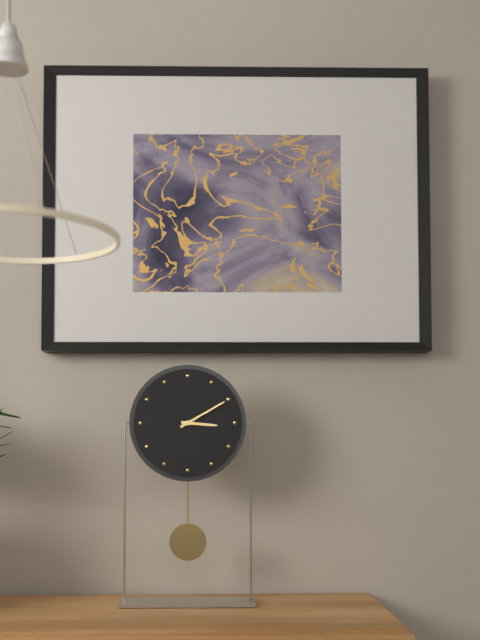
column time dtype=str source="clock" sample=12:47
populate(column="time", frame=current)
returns 3:10
